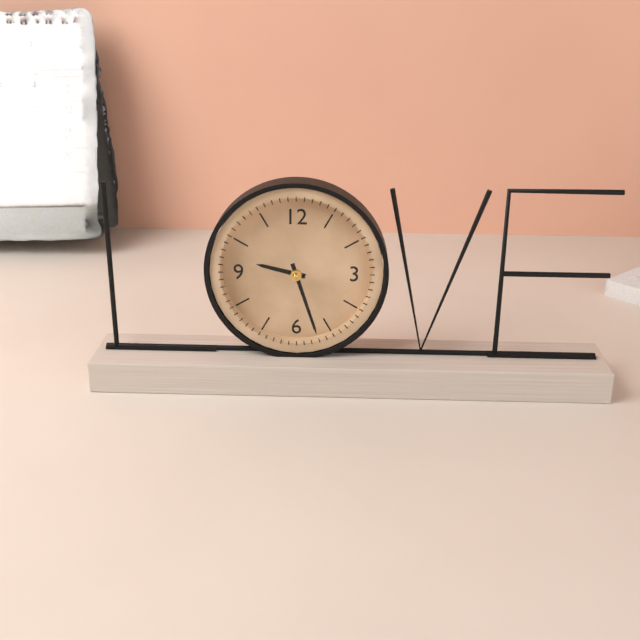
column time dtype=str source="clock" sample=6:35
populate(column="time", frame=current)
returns 9:27
